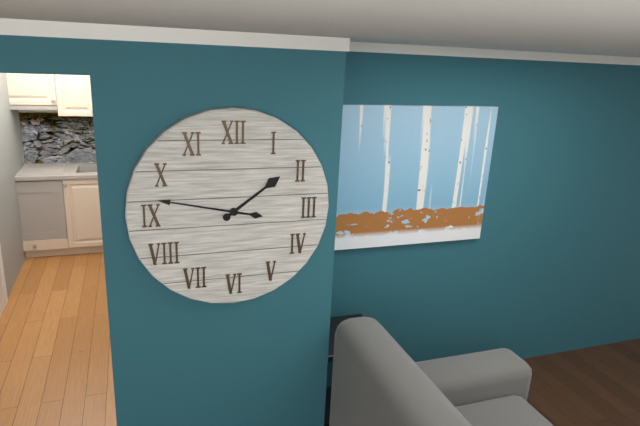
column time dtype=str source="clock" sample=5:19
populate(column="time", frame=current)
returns 1:47
